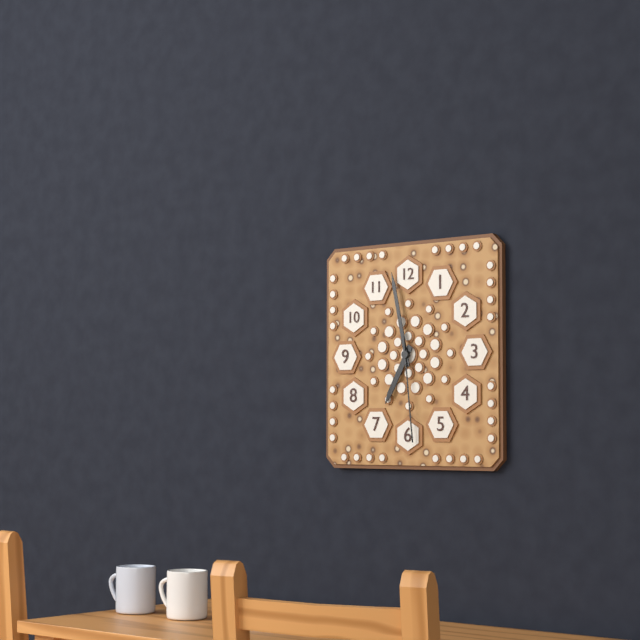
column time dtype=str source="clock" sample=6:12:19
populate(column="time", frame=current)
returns 6:58:29
